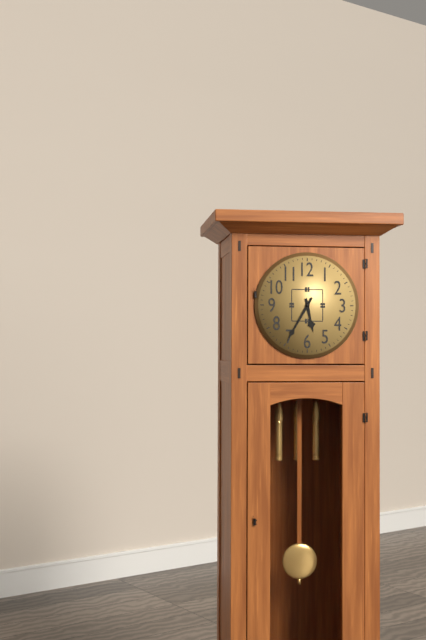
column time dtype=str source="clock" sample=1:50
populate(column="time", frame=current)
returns 5:35
